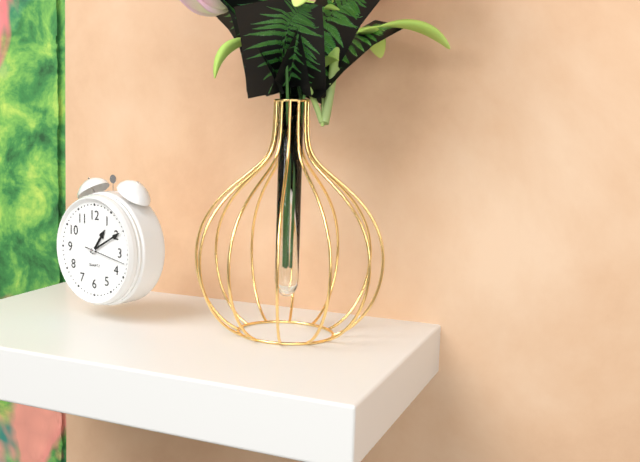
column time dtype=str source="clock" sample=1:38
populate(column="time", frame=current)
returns 1:10
